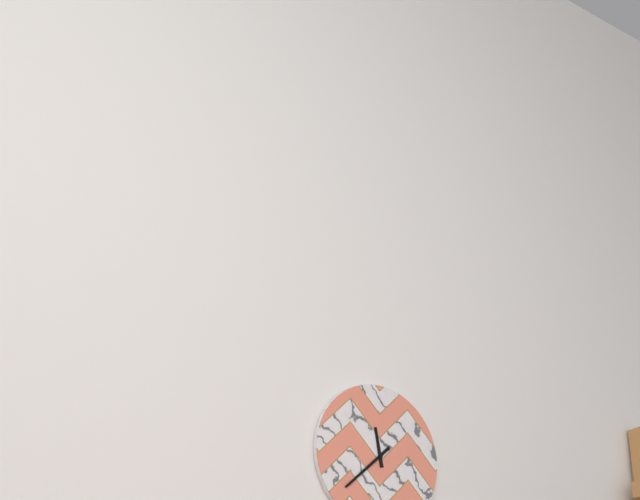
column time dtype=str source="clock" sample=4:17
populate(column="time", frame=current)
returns 11:38
